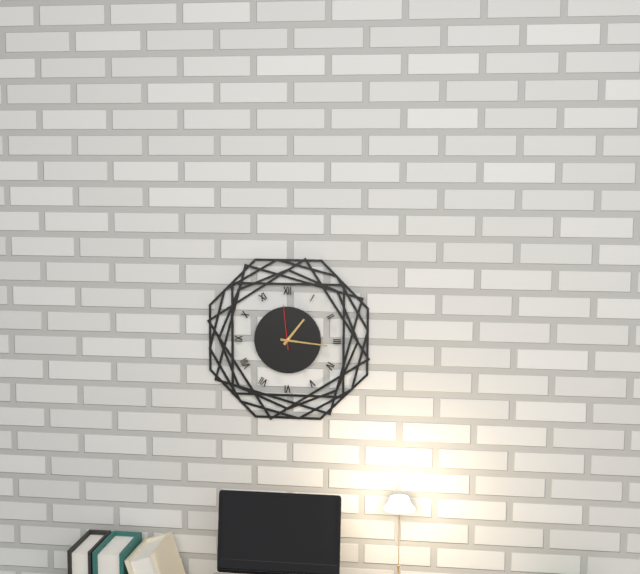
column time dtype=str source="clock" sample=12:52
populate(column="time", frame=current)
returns 1:16
